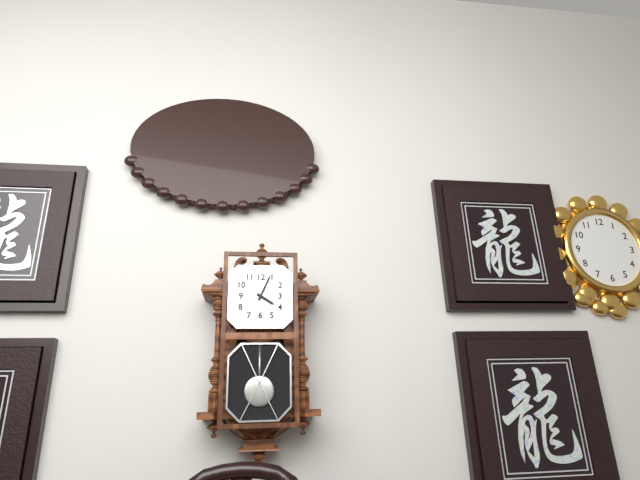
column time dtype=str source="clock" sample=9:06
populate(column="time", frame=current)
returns 4:04
